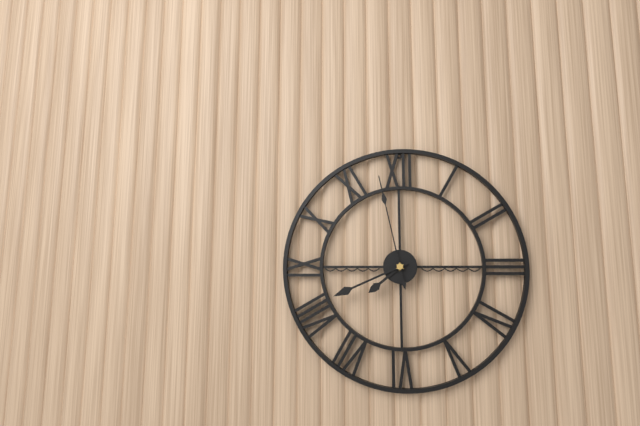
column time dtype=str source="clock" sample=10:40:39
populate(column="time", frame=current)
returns 7:41:58
